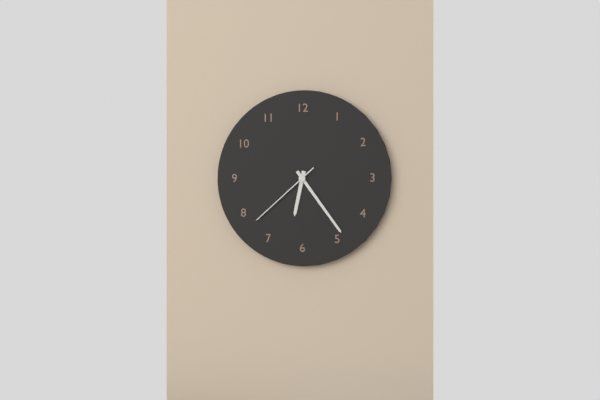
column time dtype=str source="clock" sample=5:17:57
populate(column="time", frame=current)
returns 6:24:38
